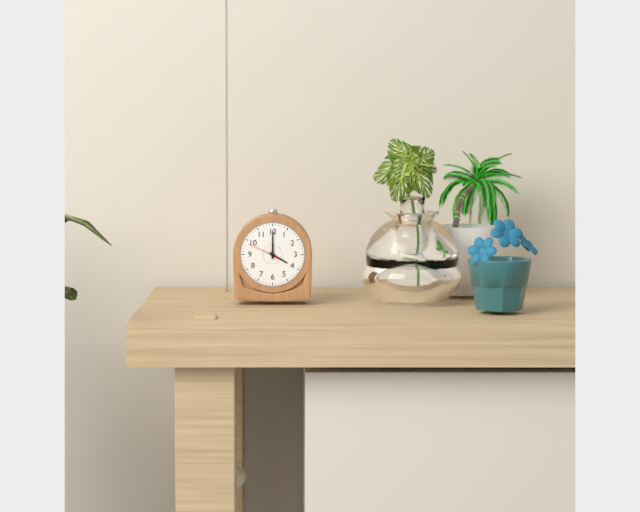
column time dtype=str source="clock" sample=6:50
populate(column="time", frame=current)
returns 4:00
